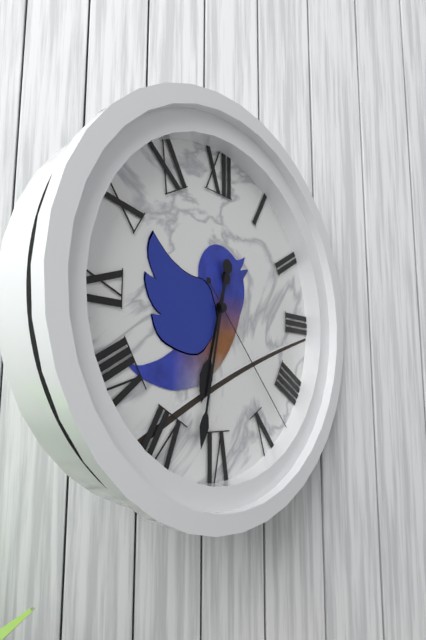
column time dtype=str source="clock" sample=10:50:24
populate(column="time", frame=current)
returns 6:32:23
